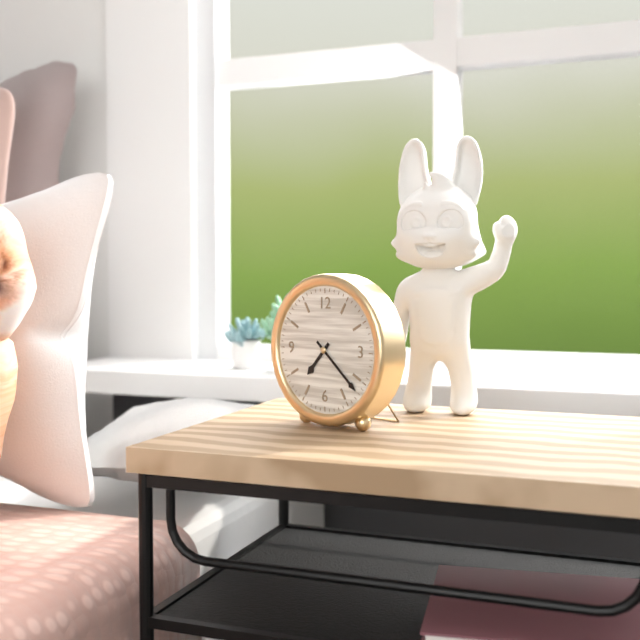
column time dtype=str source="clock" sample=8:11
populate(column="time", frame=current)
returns 7:22
